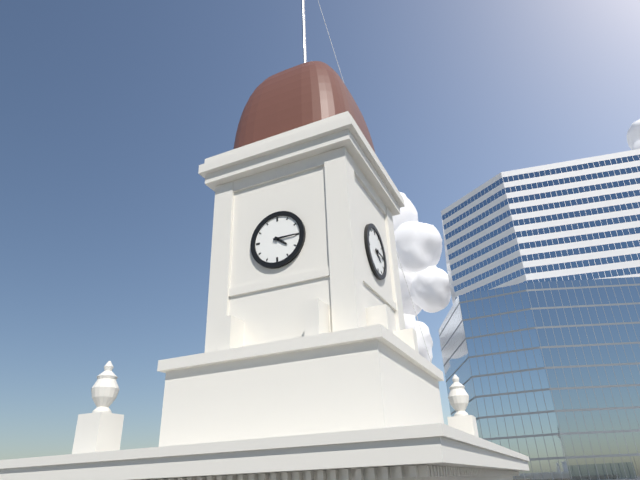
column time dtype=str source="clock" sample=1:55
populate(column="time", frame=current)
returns 4:15
